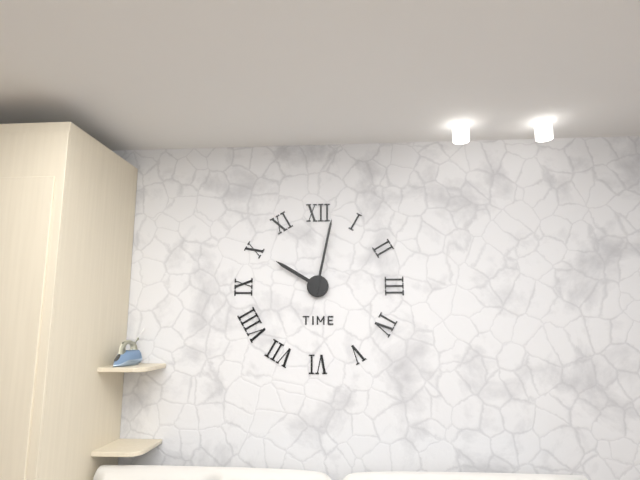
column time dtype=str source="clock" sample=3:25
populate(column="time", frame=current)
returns 10:02
